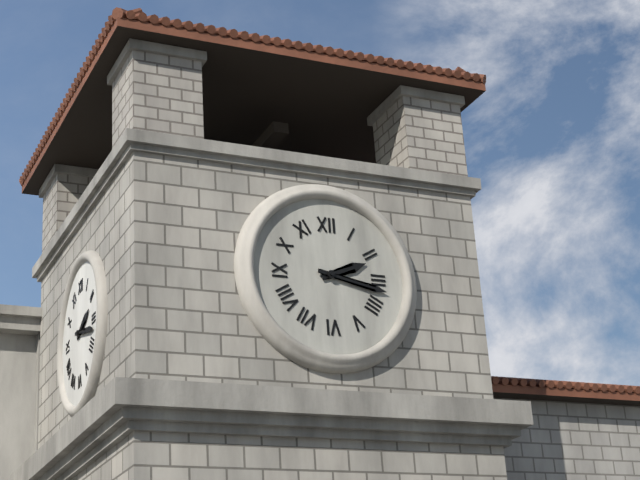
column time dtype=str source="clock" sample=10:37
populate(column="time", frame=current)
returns 2:17
